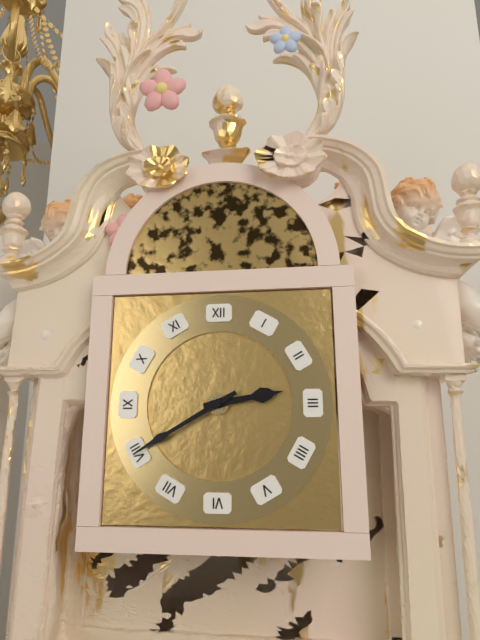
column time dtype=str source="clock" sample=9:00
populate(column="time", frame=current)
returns 2:40
